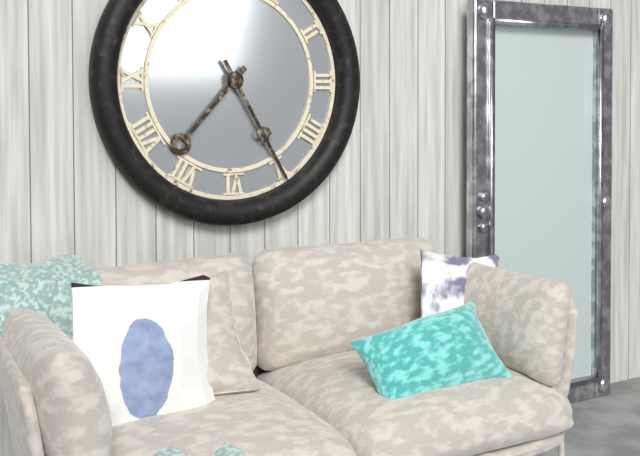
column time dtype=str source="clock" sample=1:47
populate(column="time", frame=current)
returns 7:25
